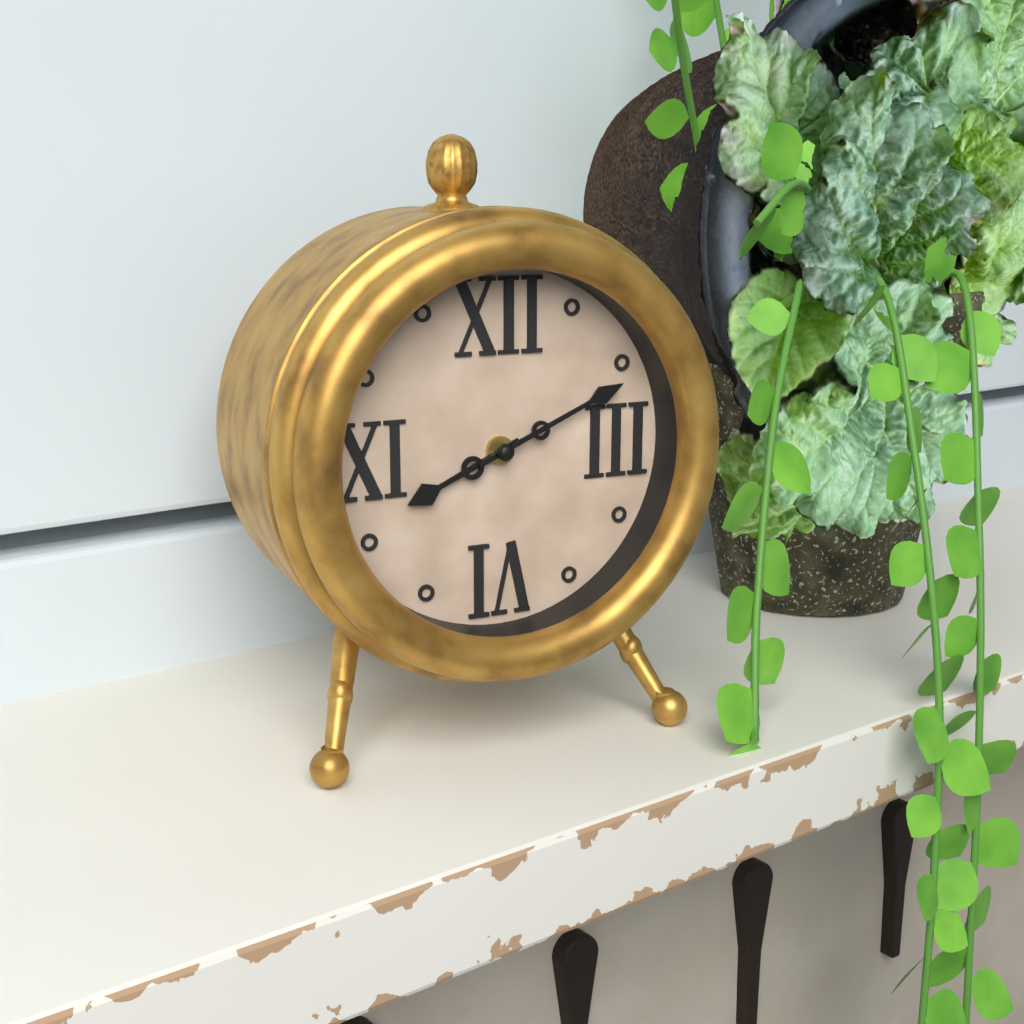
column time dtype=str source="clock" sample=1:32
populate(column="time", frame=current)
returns 8:11
